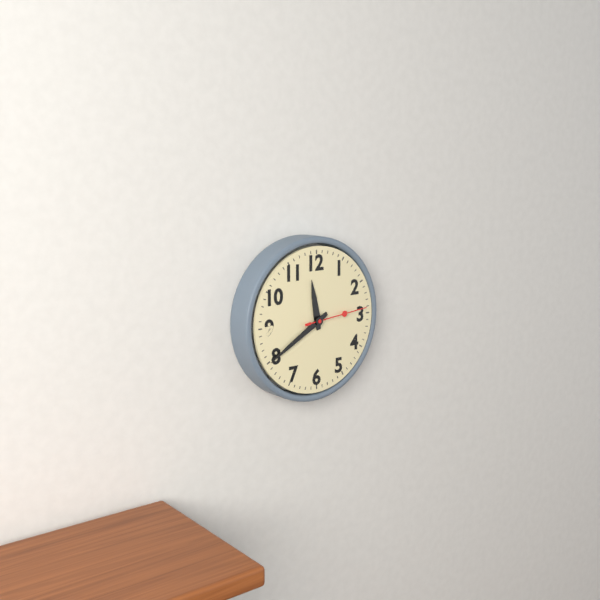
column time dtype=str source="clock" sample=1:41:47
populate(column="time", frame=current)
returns 11:40:14
